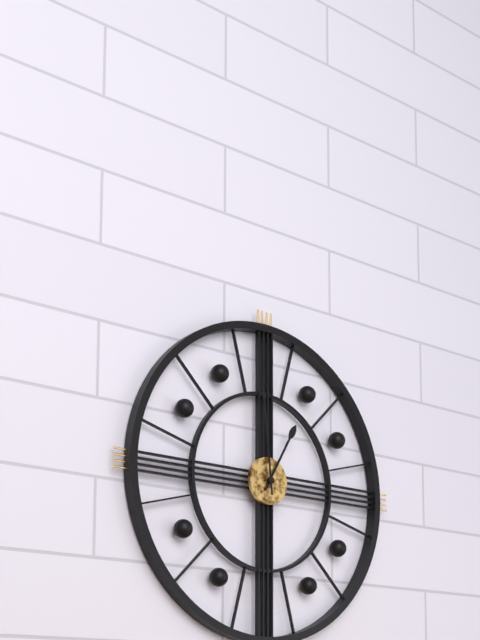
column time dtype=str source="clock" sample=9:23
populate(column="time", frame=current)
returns 12:59
